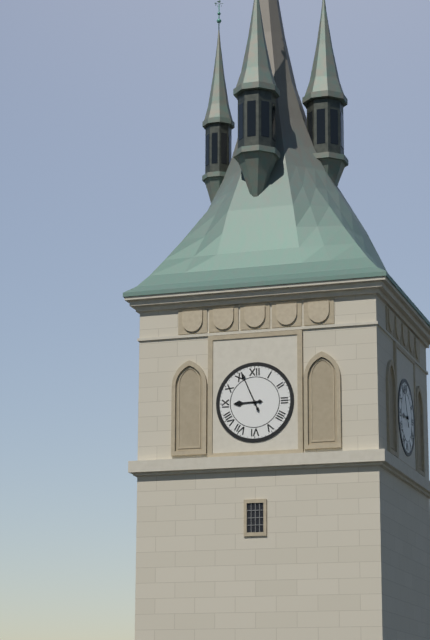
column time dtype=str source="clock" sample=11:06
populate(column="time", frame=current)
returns 8:56
